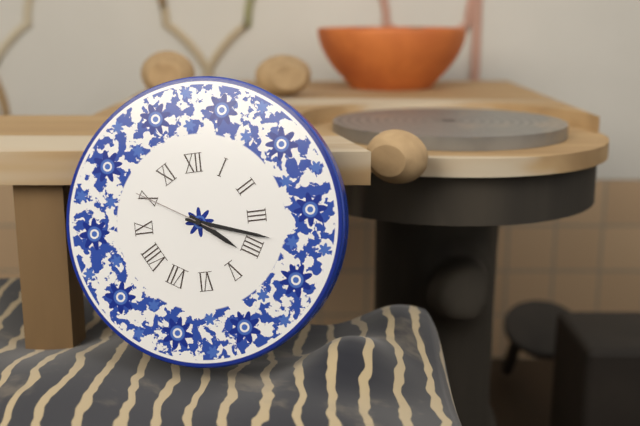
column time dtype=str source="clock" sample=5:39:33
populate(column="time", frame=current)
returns 4:18:50
